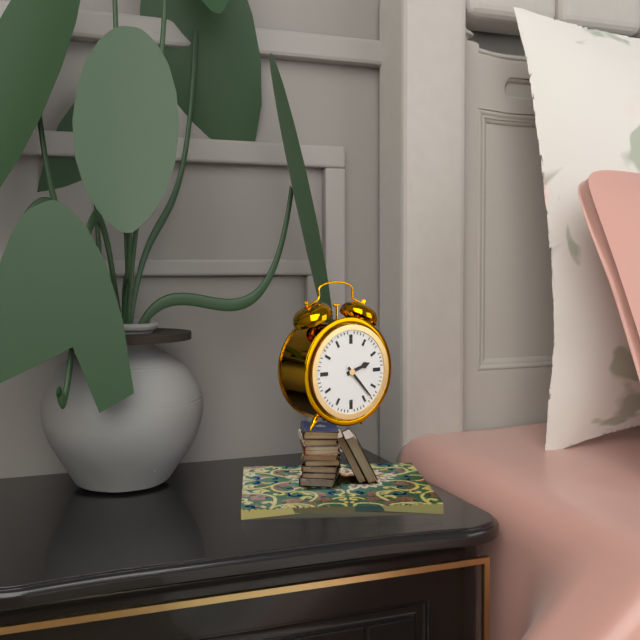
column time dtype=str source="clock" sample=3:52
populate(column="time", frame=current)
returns 2:23
